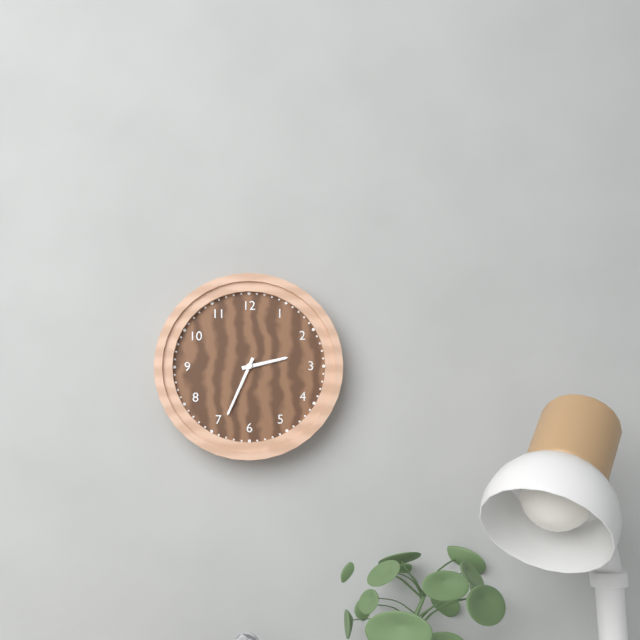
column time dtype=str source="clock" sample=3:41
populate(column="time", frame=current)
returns 2:34
